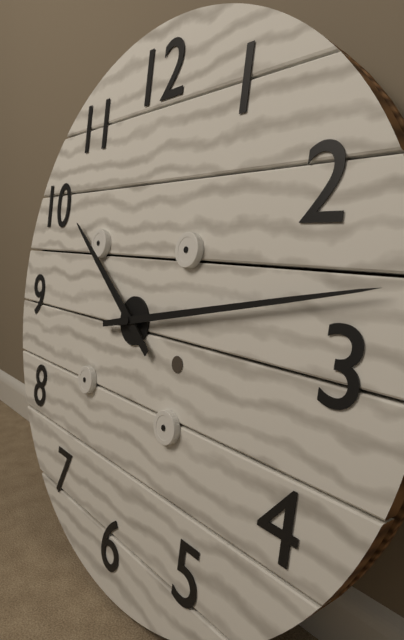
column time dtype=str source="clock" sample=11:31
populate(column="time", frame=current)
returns 10:13
